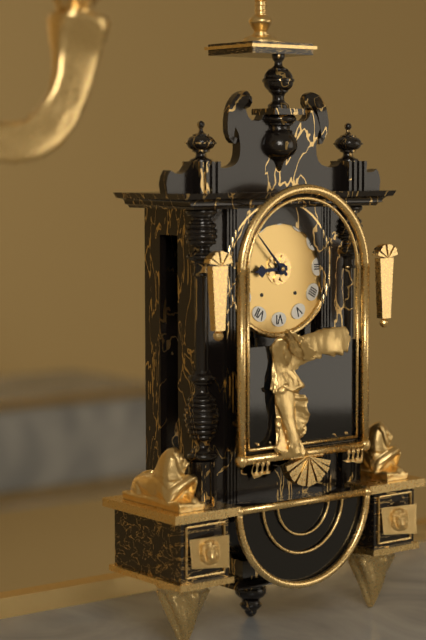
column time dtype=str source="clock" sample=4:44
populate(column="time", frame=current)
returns 8:53
